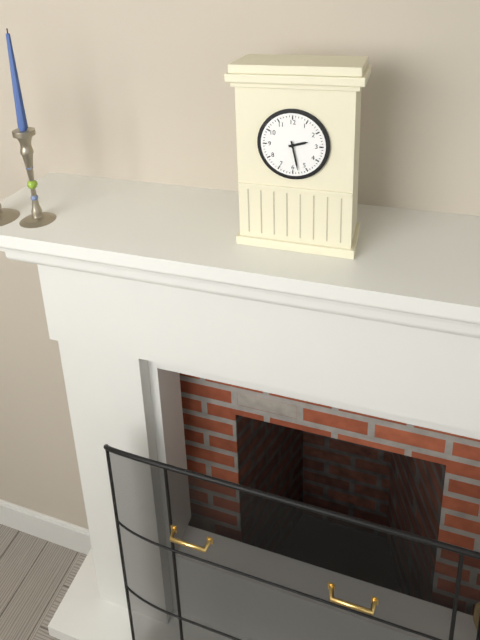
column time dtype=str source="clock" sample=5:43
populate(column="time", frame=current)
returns 2:28
